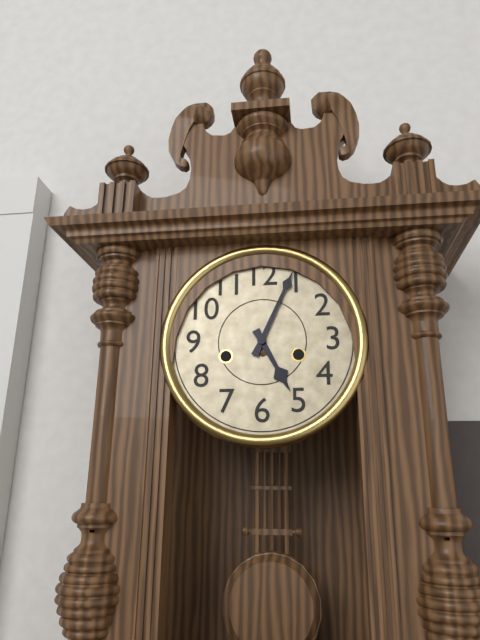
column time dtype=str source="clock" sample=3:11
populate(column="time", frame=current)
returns 5:04
